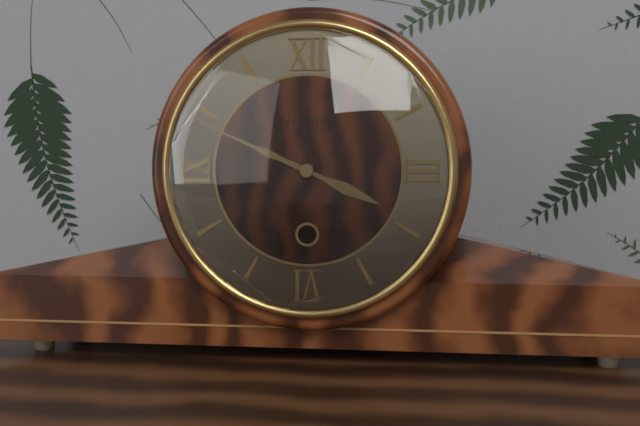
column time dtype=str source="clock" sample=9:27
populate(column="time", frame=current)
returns 3:49
